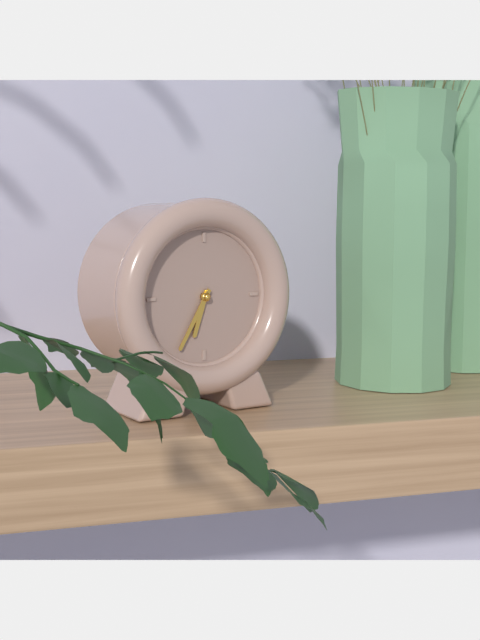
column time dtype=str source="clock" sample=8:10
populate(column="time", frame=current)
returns 6:35
